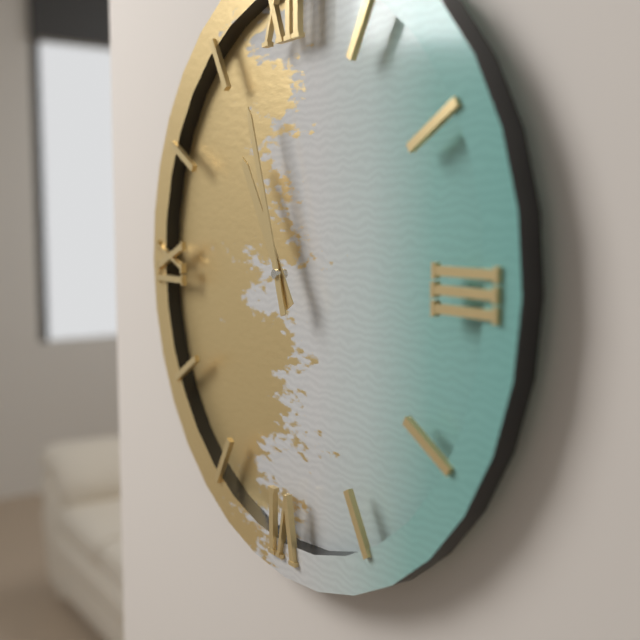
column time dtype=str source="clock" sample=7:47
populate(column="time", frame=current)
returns 10:57
